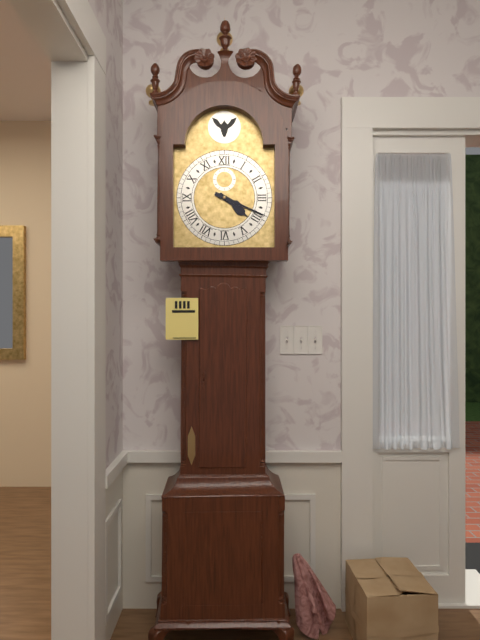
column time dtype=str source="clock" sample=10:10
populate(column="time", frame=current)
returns 4:19
